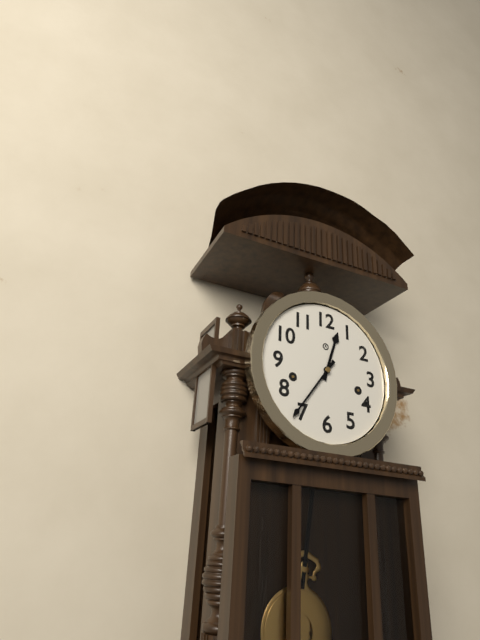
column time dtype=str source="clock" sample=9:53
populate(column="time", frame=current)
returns 12:36
